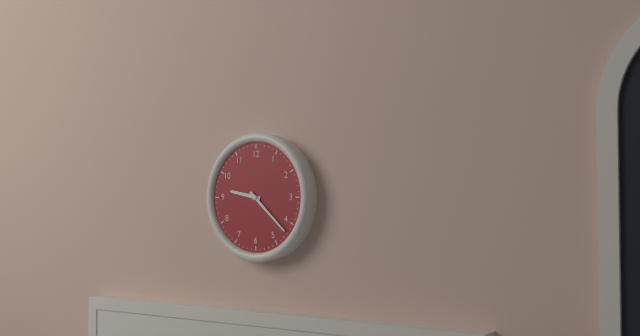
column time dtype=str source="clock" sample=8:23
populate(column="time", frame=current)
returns 9:22
